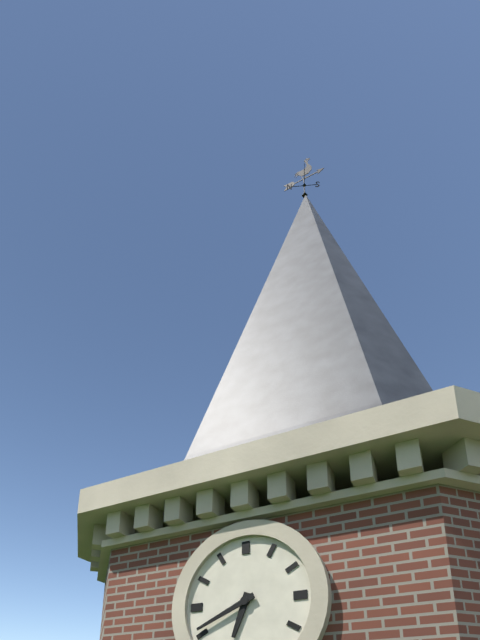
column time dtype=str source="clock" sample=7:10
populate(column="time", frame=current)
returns 6:41
